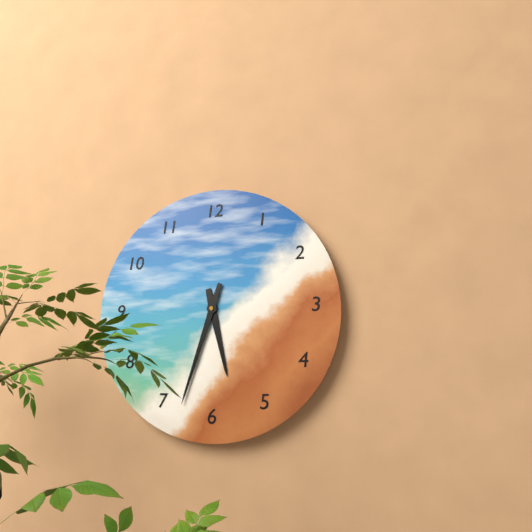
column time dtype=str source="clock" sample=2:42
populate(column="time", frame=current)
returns 5:33
